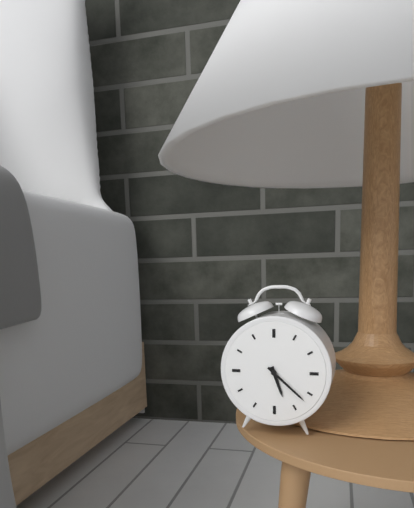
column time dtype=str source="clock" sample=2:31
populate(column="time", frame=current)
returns 5:22
